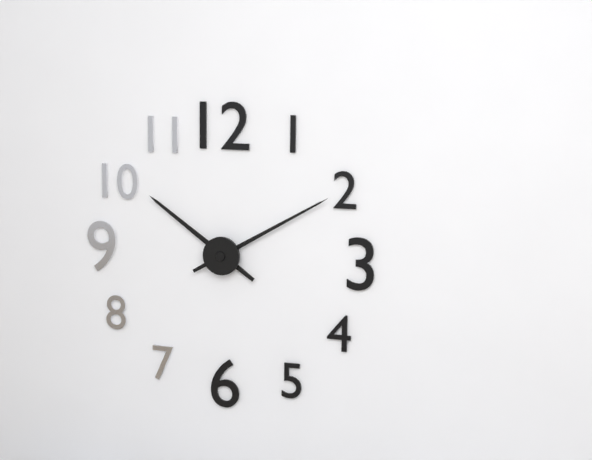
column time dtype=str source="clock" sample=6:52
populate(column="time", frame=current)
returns 10:10
